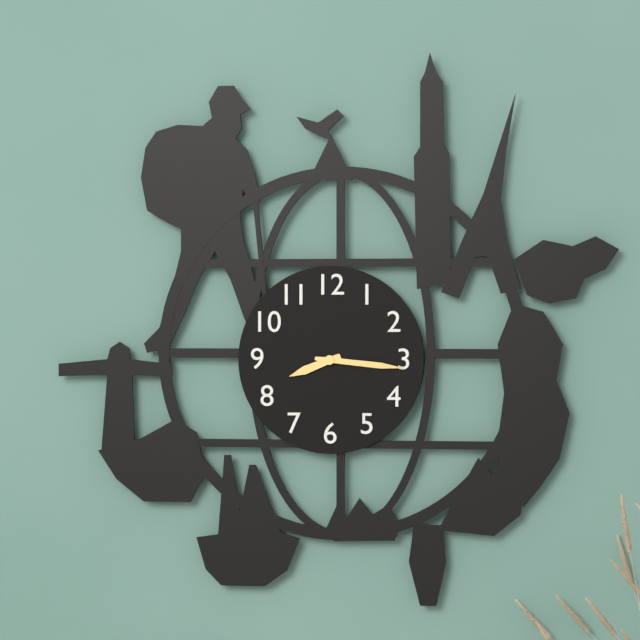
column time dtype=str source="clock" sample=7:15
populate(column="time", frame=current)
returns 8:16
